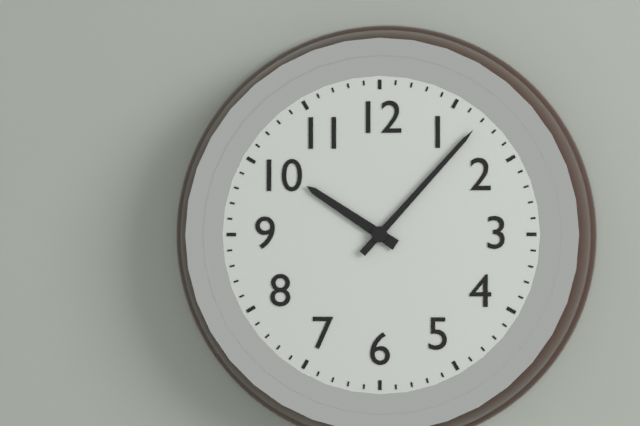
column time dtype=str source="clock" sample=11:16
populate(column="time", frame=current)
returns 10:07
